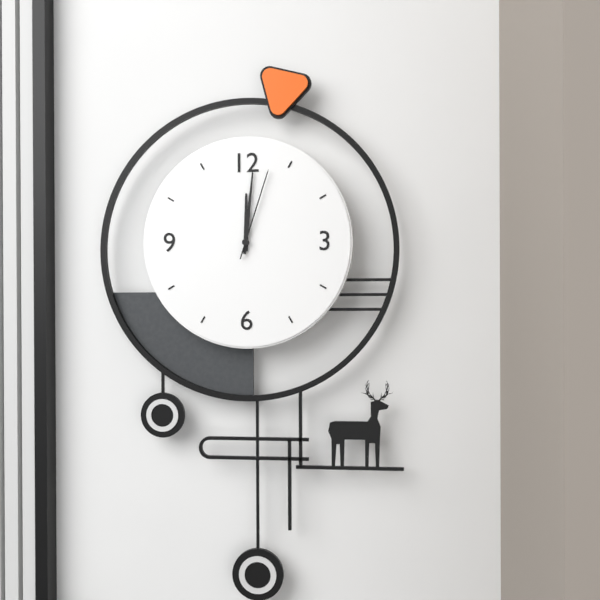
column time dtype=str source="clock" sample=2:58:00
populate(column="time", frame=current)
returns 12:01:03
